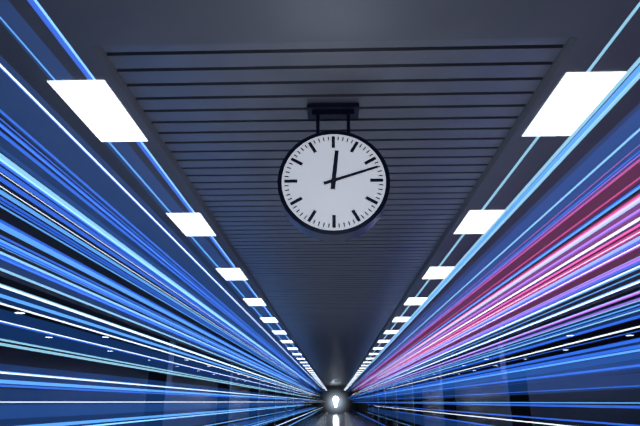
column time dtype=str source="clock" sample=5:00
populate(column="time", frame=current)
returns 12:12
